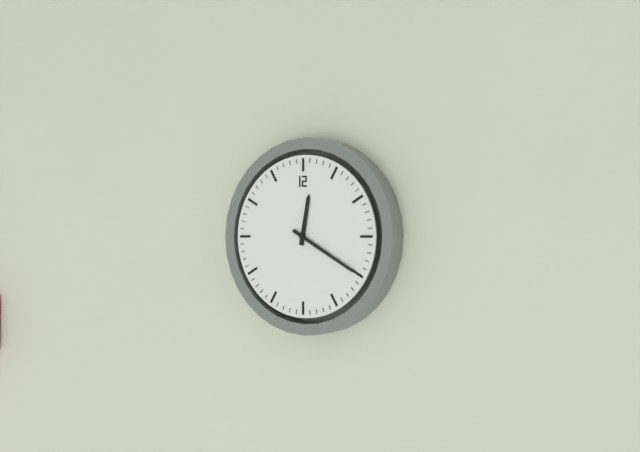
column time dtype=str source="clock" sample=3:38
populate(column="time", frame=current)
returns 12:20
